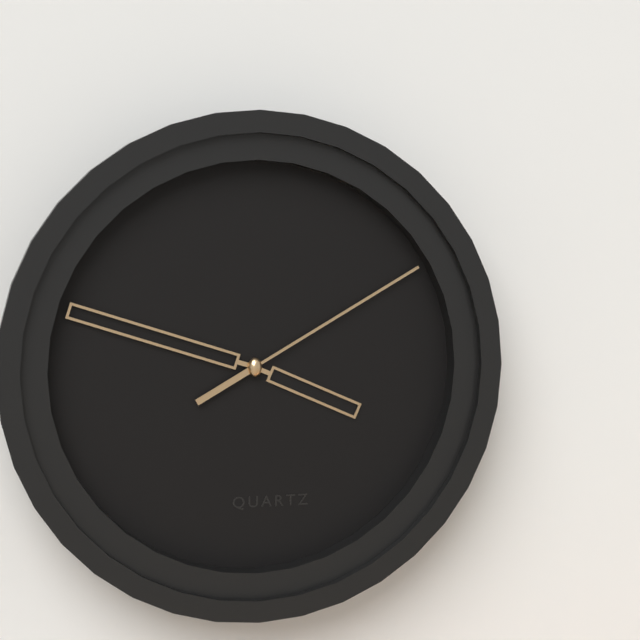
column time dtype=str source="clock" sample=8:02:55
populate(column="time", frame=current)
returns 3:48:10
